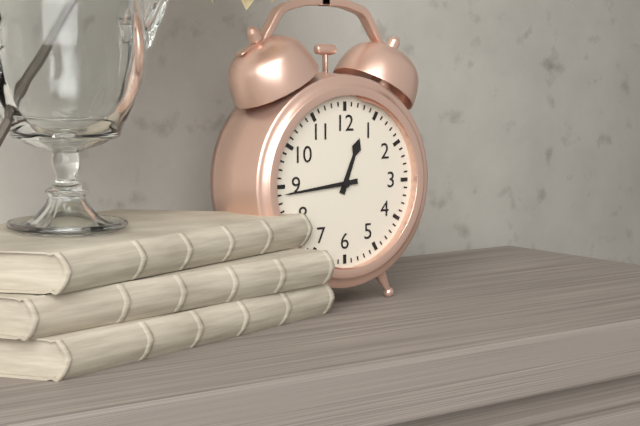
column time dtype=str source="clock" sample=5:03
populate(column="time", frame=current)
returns 12:44
